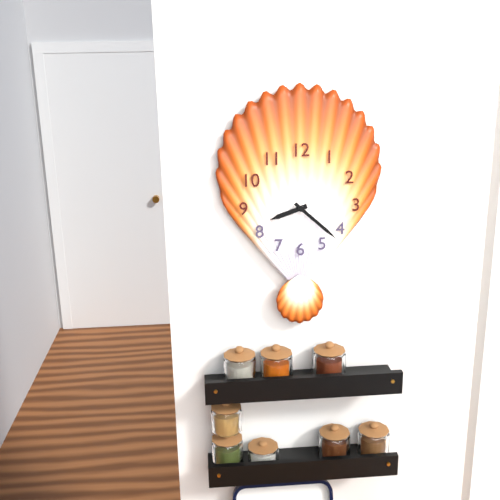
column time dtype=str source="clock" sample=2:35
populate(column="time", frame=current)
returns 8:22
